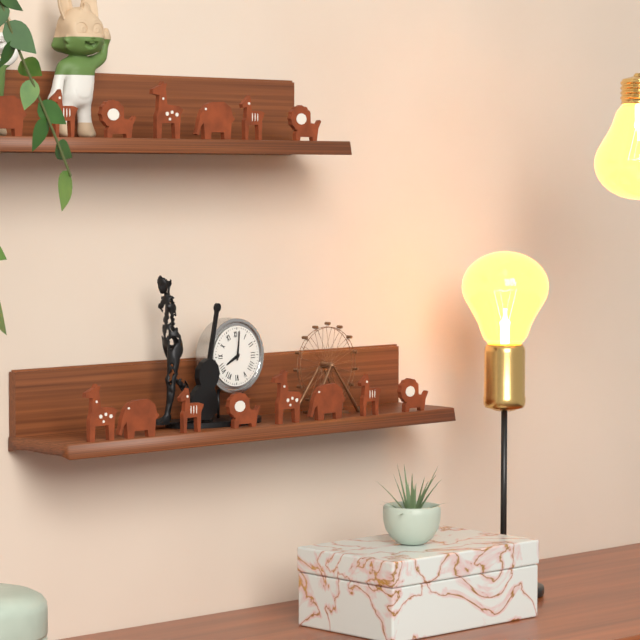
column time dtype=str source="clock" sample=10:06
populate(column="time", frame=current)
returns 8:01
